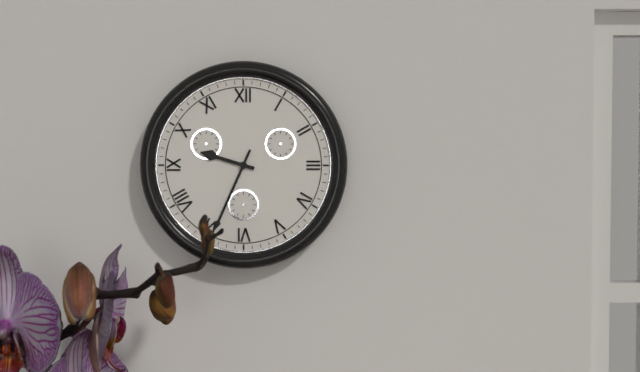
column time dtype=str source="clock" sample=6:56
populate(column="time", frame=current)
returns 9:34
